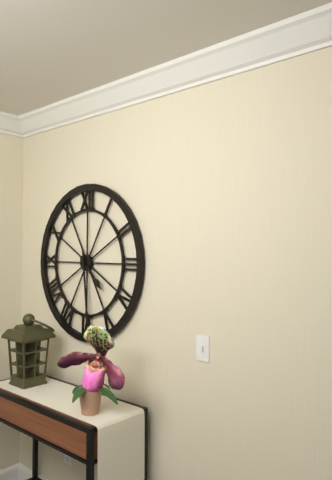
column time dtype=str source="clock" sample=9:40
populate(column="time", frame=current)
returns 4:29
